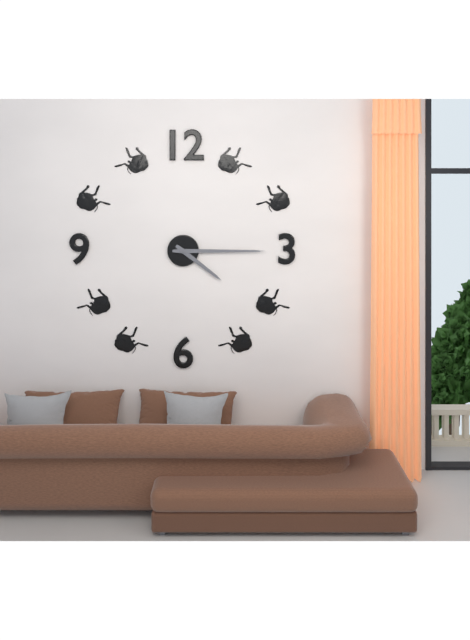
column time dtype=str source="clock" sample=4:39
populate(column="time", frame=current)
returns 4:15
